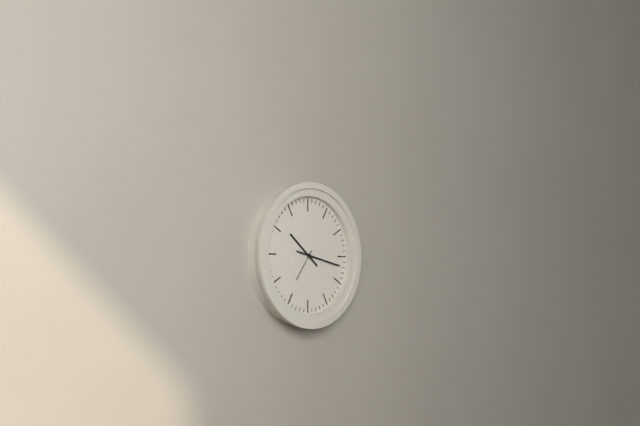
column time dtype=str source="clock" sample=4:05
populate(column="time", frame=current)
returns 10:17
